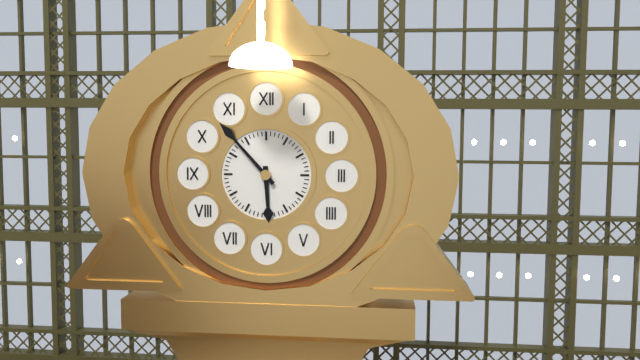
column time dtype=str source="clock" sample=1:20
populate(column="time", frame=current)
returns 5:53
